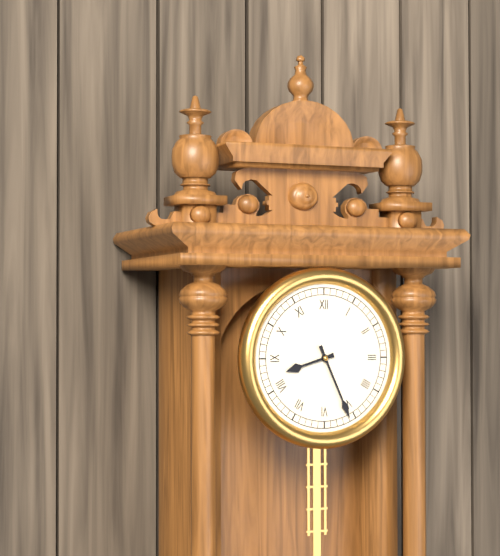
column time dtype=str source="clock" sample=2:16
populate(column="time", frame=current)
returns 8:26
